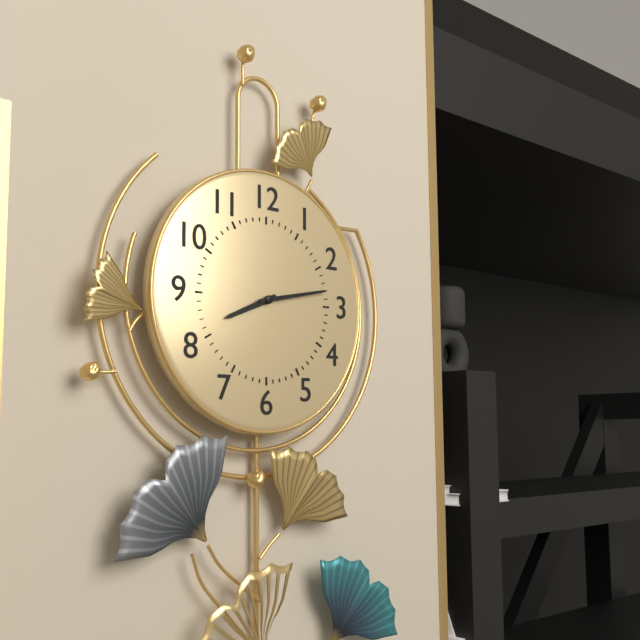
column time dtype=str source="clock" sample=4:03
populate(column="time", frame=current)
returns 8:13
